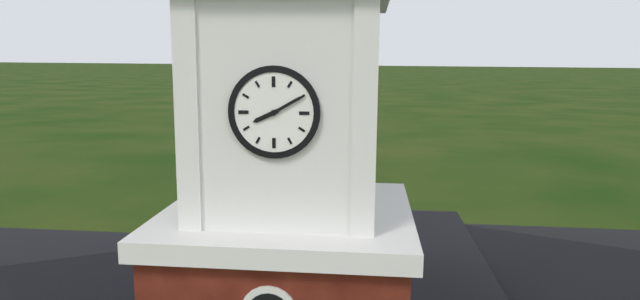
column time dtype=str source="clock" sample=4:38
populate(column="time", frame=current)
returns 8:10
